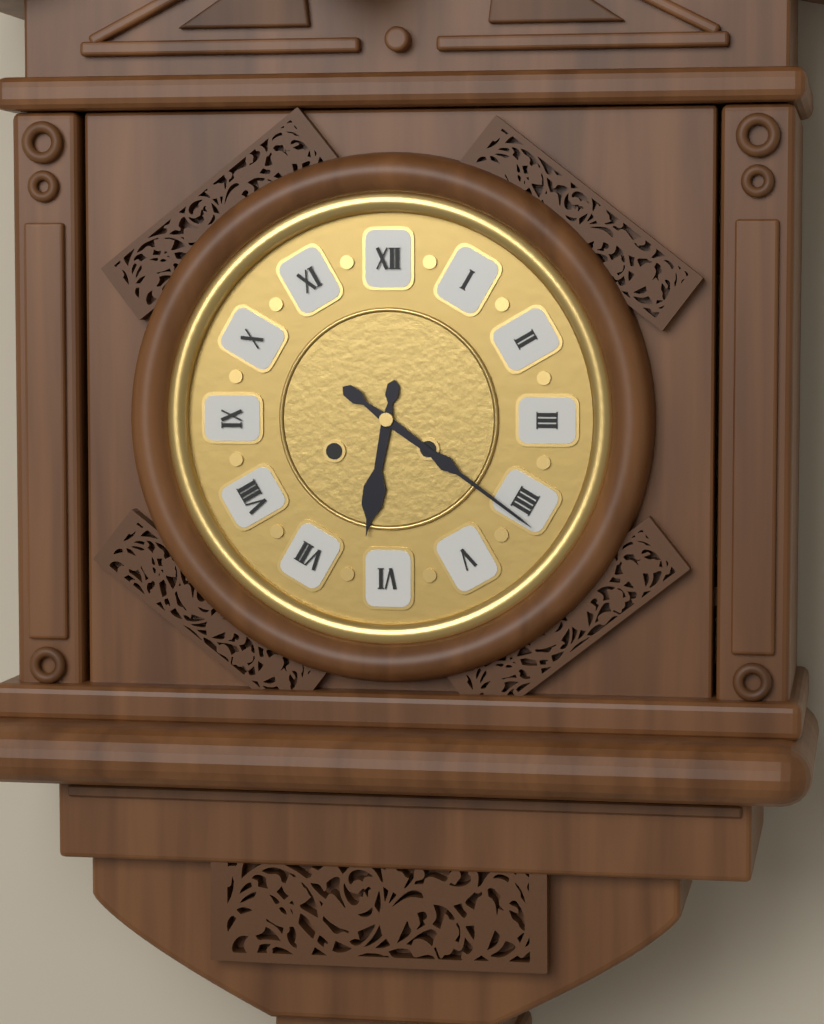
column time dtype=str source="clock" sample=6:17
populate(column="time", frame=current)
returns 6:21
